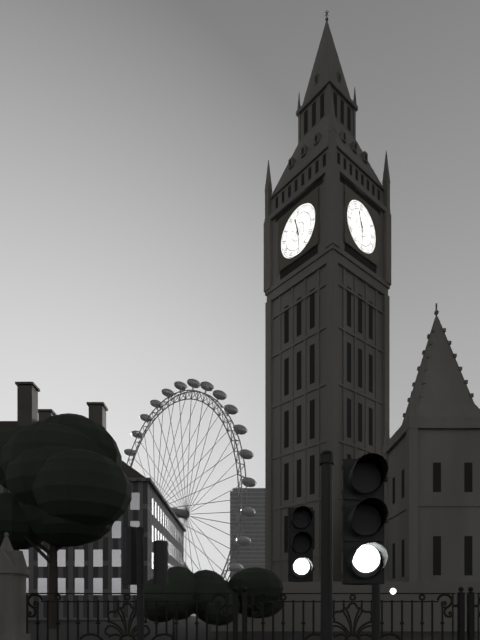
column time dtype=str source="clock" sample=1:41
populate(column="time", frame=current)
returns 11:29
